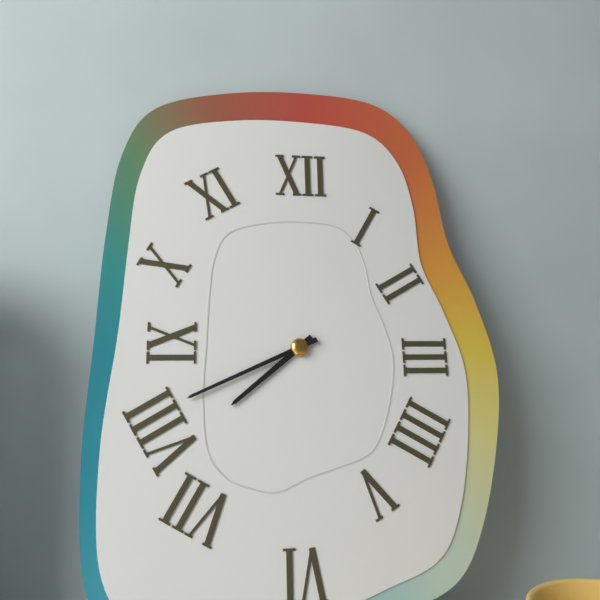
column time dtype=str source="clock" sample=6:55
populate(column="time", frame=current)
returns 7:41
